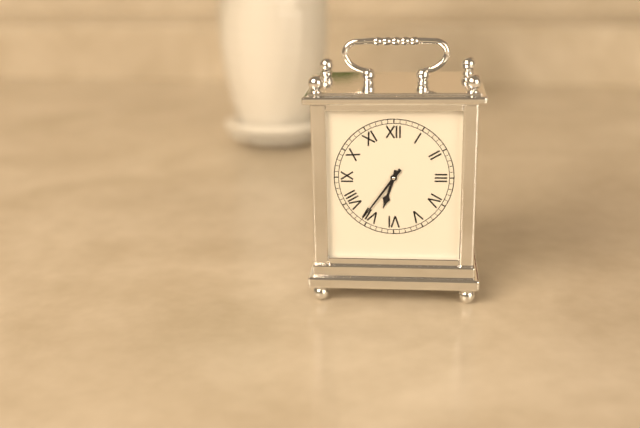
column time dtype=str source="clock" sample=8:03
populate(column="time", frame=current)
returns 6:36
